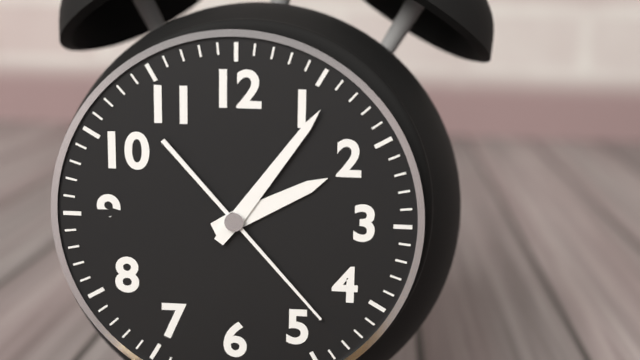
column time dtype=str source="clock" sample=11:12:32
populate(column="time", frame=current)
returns 2:06:23
